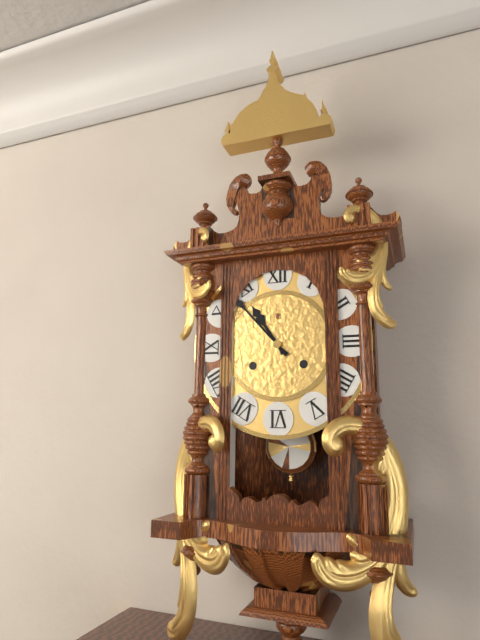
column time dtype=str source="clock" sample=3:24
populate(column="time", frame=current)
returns 10:53
